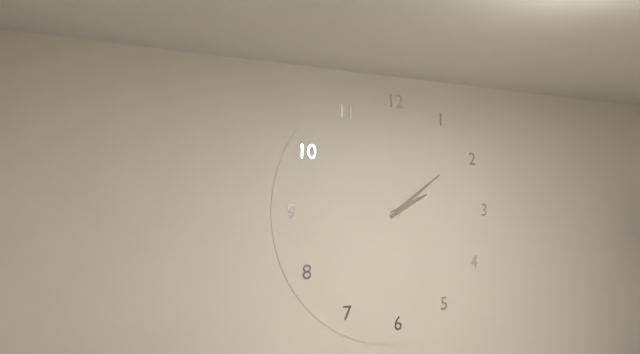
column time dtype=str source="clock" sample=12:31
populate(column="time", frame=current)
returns 2:09
